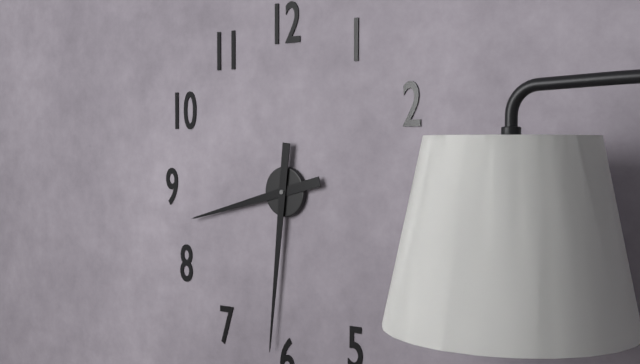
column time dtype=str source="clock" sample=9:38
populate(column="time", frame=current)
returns 8:31
